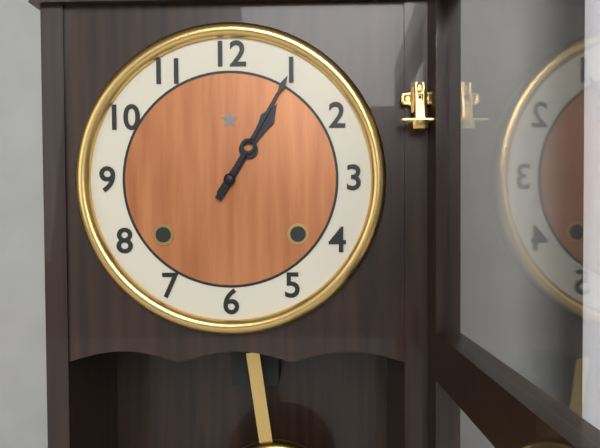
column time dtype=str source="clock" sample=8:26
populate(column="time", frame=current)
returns 1:05
